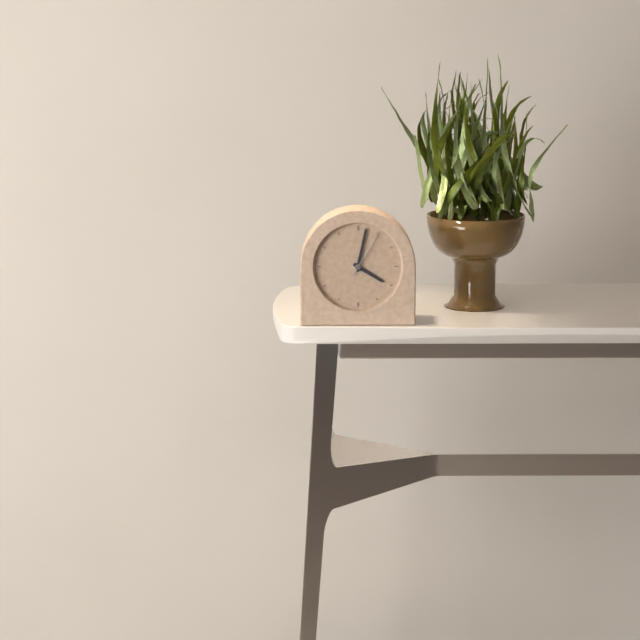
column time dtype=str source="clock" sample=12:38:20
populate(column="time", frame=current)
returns 4:02:05
